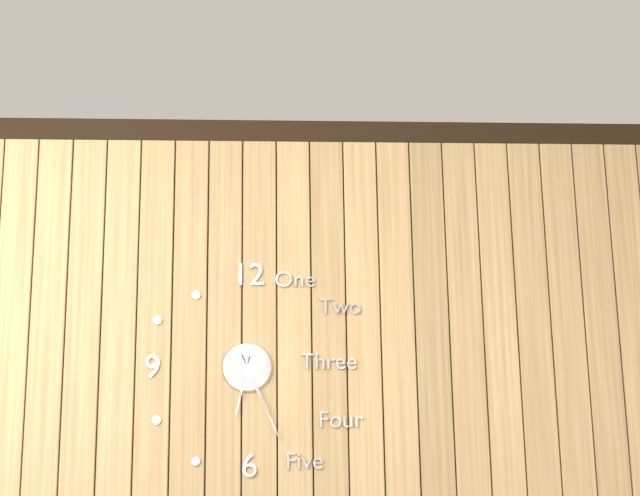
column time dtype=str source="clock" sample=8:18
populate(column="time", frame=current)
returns 6:26
